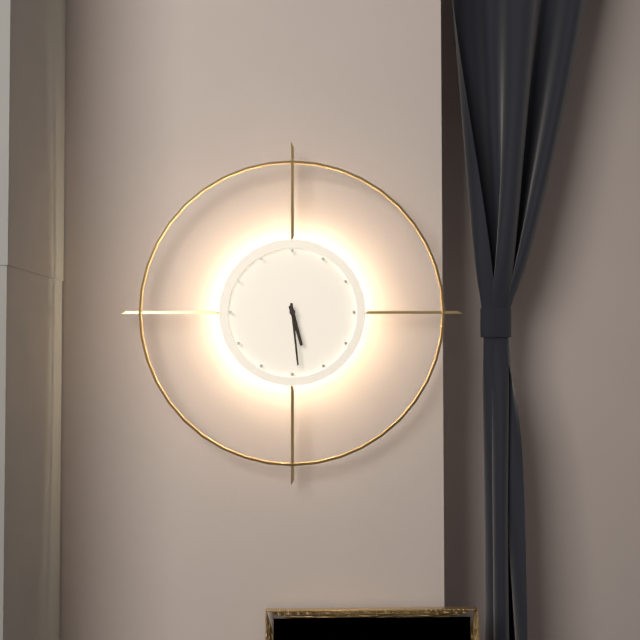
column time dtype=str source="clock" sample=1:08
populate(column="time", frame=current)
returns 5:29
